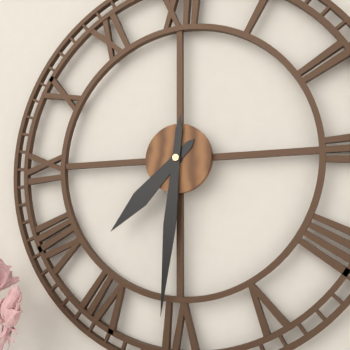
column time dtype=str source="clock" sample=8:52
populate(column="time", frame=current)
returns 7:31
